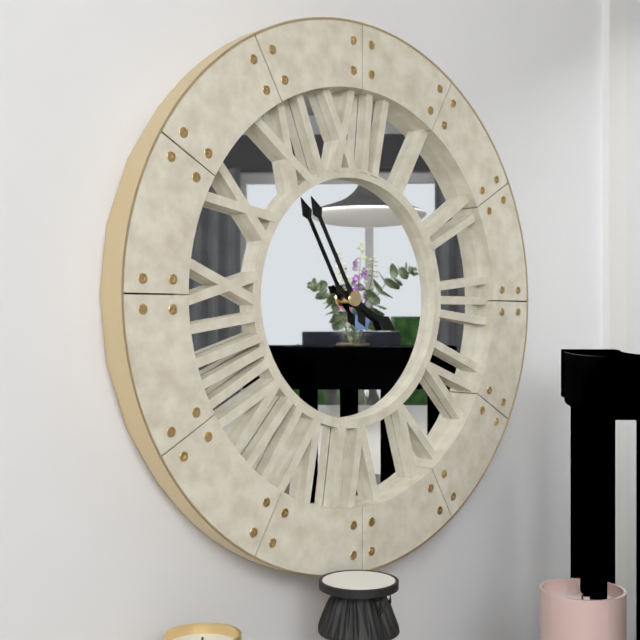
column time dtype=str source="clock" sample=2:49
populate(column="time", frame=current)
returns 3:55
